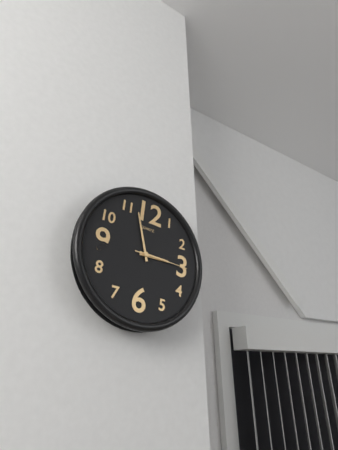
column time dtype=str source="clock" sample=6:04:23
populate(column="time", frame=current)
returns 2:57:15
